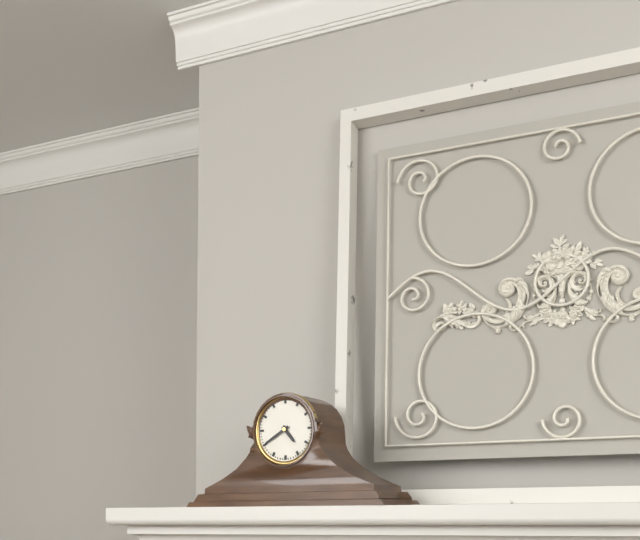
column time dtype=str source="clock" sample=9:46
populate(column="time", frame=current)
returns 4:40
